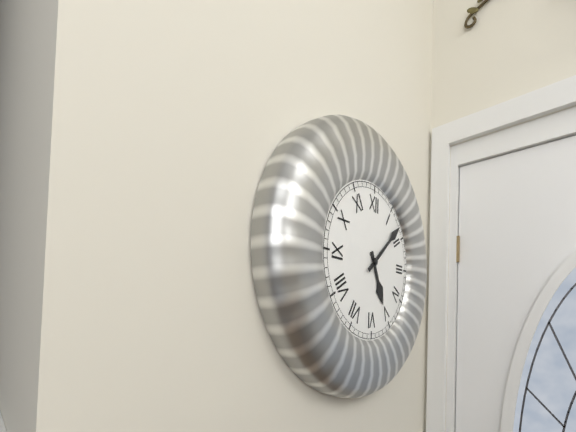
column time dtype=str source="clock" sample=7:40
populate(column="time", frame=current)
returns 5:08
